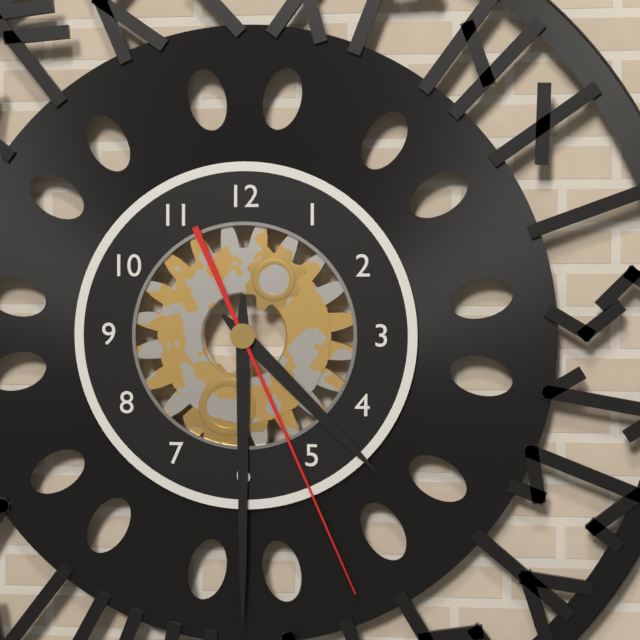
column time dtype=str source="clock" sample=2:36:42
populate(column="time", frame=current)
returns 4:30:26
